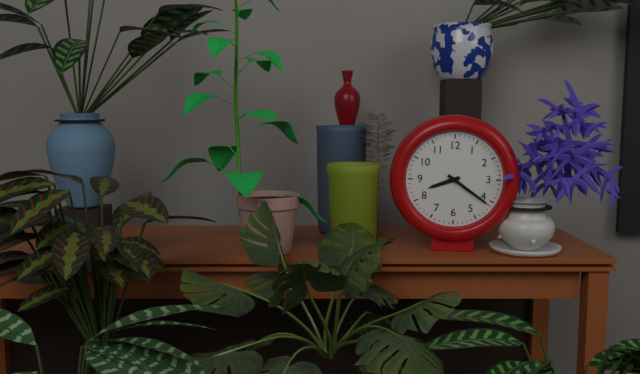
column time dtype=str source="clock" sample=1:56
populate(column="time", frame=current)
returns 8:21
